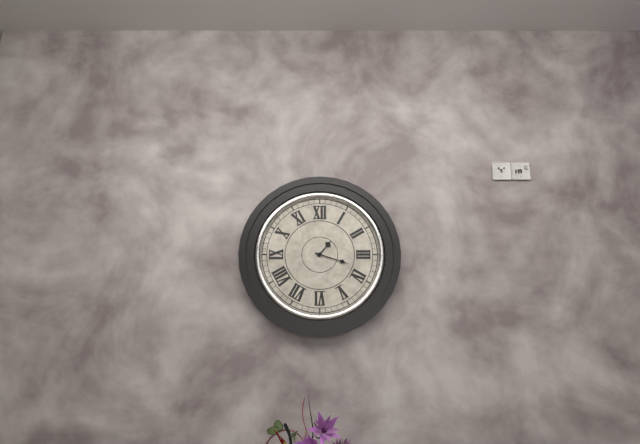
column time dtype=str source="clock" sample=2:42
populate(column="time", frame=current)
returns 1:18
